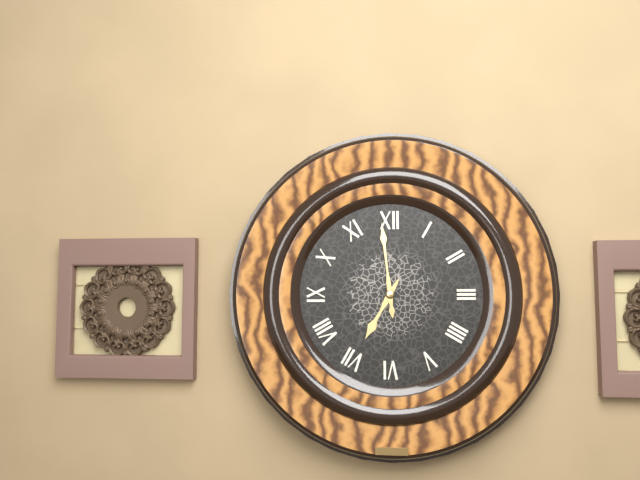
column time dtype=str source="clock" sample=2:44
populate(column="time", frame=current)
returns 6:59
